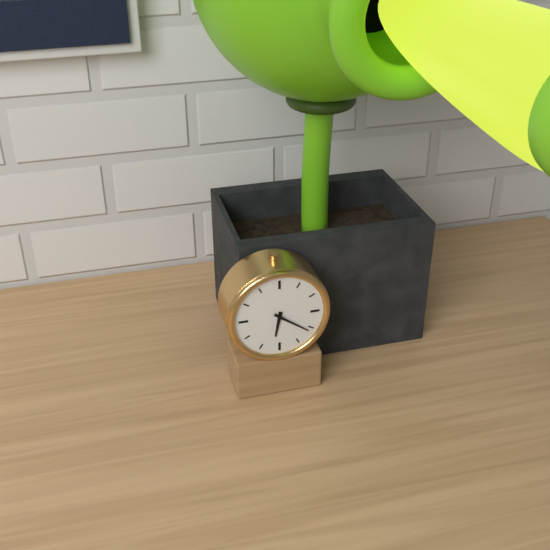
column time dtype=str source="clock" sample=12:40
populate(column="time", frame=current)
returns 6:21
